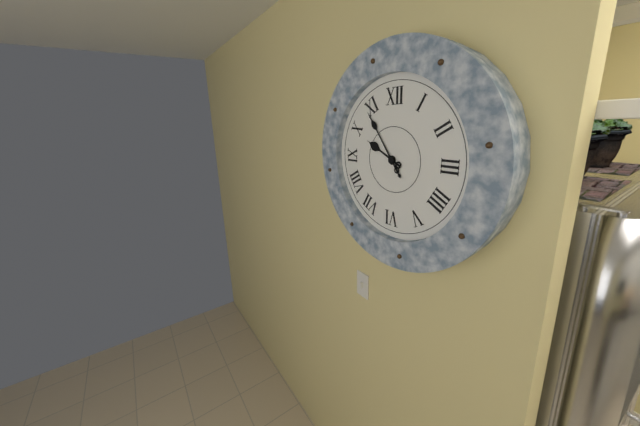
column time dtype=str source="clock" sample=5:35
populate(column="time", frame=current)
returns 9:54
